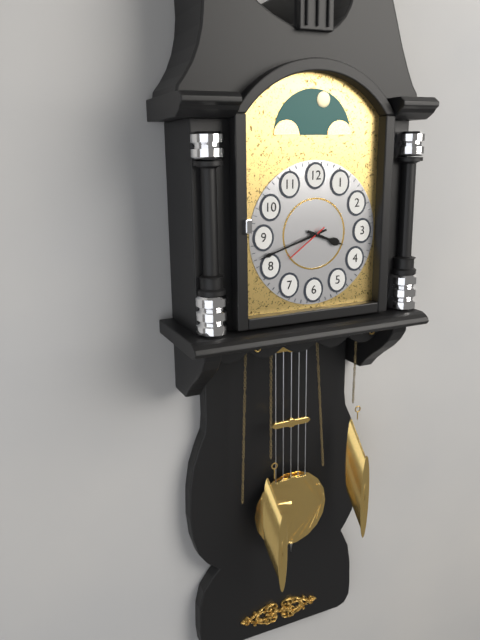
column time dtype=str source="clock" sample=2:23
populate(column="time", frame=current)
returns 3:42
